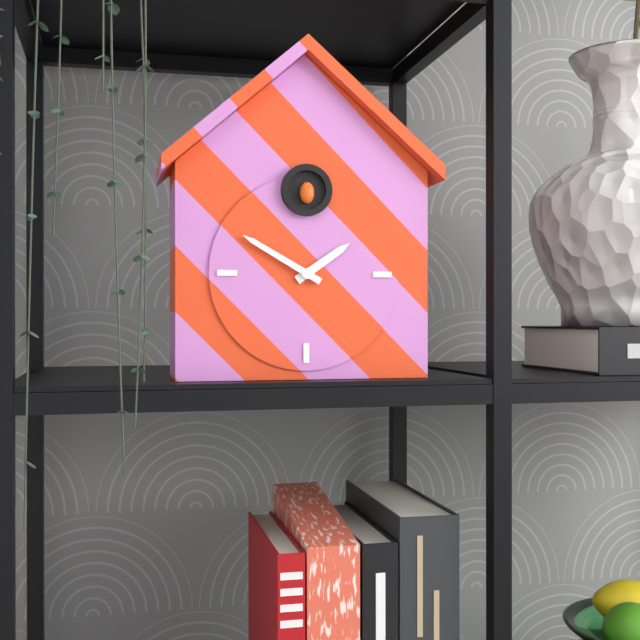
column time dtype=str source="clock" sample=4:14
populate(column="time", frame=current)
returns 1:50
